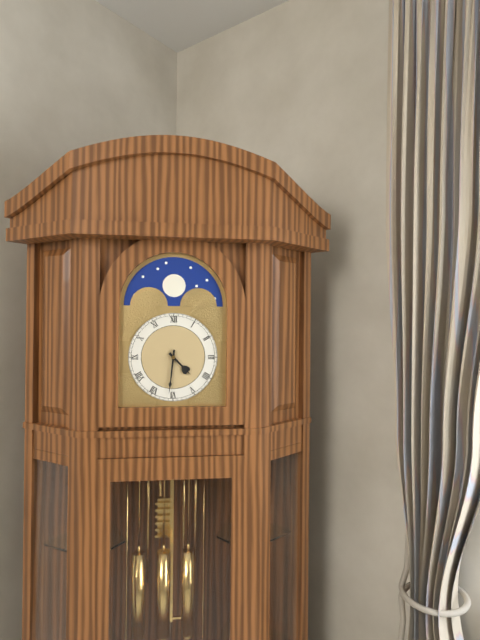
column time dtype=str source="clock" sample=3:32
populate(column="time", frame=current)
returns 4:31
